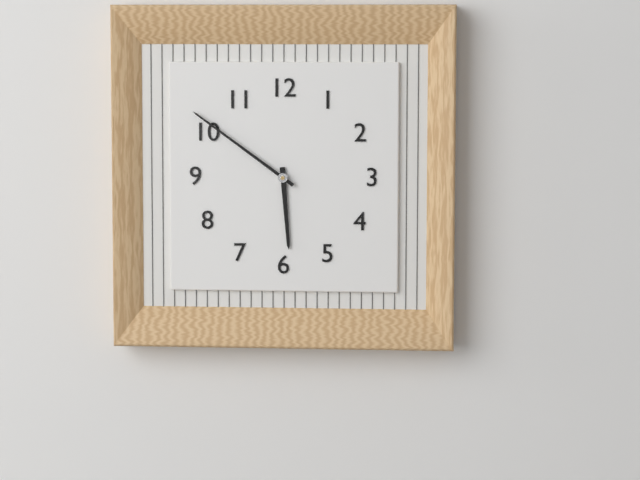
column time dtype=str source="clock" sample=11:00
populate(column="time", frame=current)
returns 5:51
